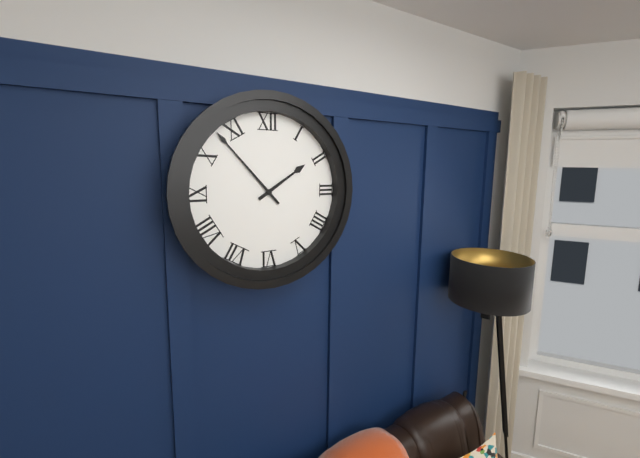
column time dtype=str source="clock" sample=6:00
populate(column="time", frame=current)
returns 1:53
